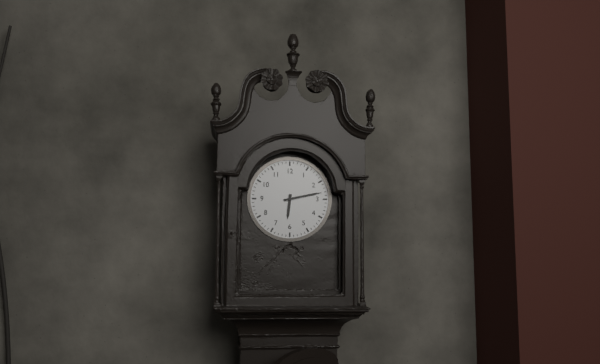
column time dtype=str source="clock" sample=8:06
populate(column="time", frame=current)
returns 6:13
